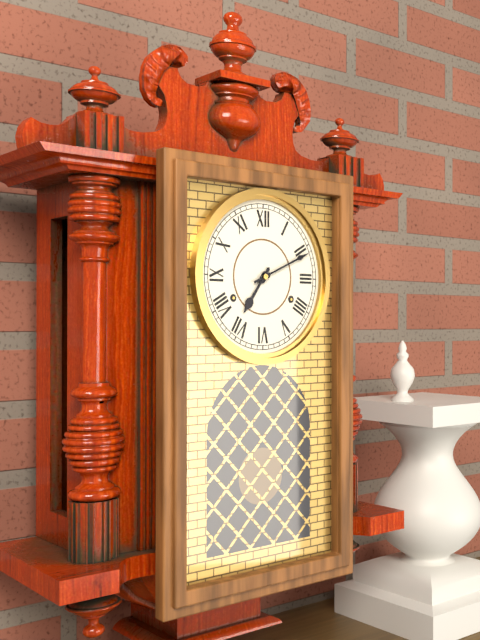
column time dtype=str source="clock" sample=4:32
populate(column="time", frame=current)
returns 7:11
